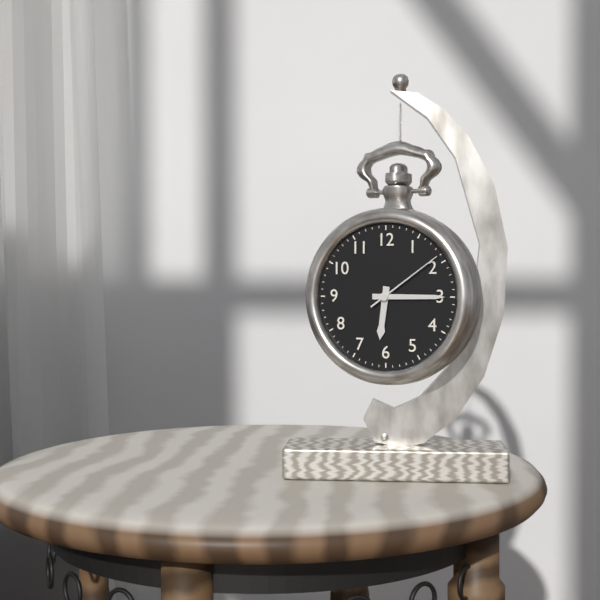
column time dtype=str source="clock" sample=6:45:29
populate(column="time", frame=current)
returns 6:15:09
